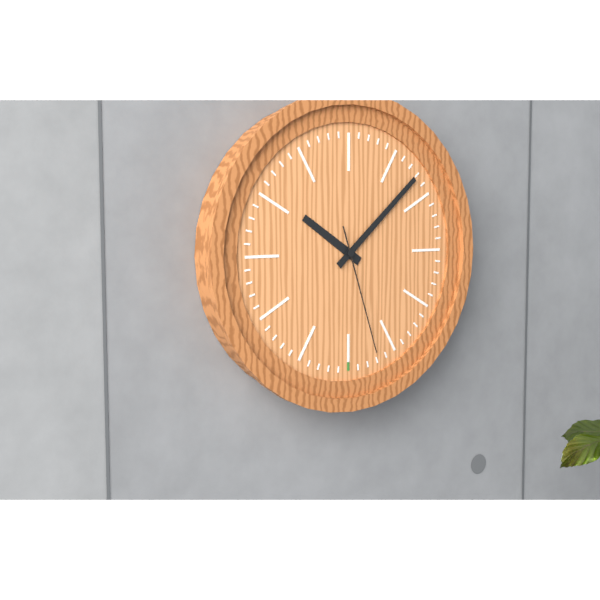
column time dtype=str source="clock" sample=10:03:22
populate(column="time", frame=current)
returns 10:08:27
